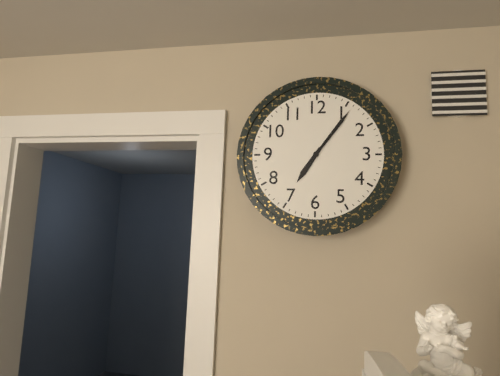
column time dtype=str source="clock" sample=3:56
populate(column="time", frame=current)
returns 7:06
